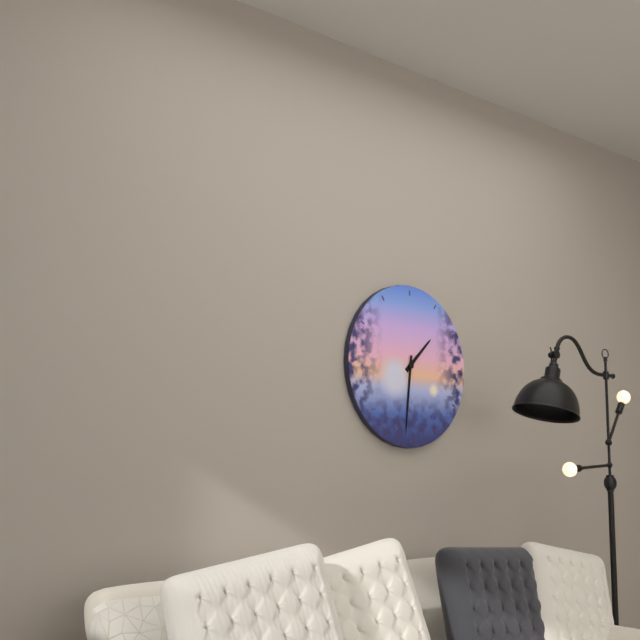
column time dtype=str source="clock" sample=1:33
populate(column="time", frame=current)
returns 1:31
